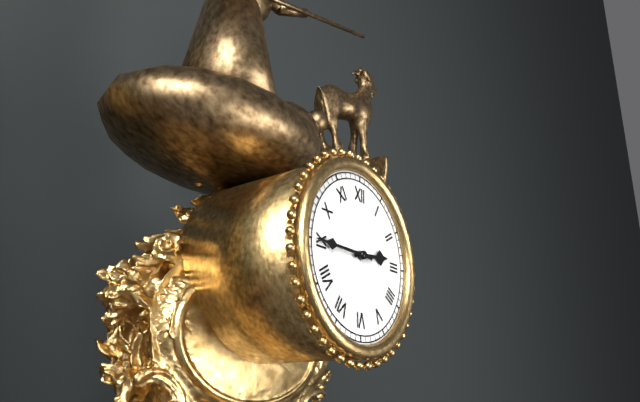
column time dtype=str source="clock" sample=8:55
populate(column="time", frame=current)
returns 2:45
